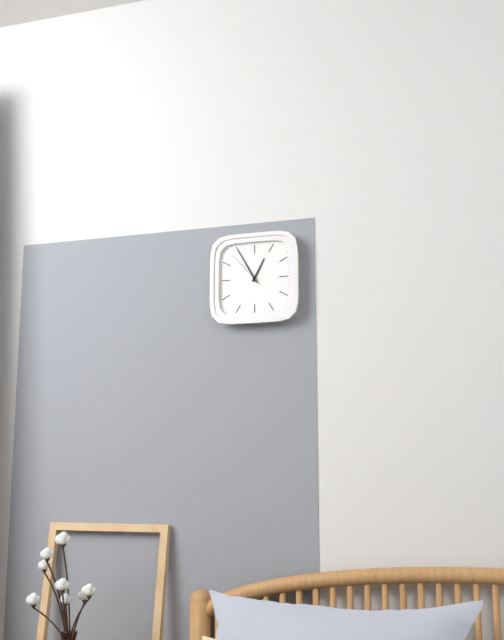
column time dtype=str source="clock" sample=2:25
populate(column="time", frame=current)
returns 12:55
